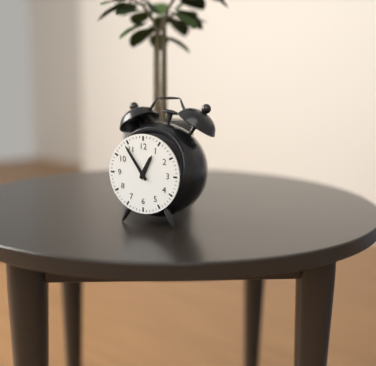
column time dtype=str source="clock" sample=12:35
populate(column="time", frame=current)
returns 12:54
